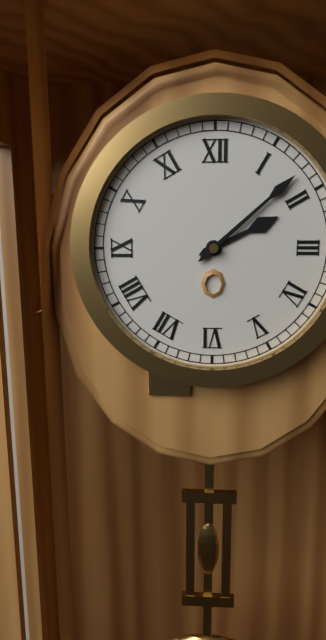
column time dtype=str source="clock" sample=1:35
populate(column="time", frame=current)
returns 2:08
